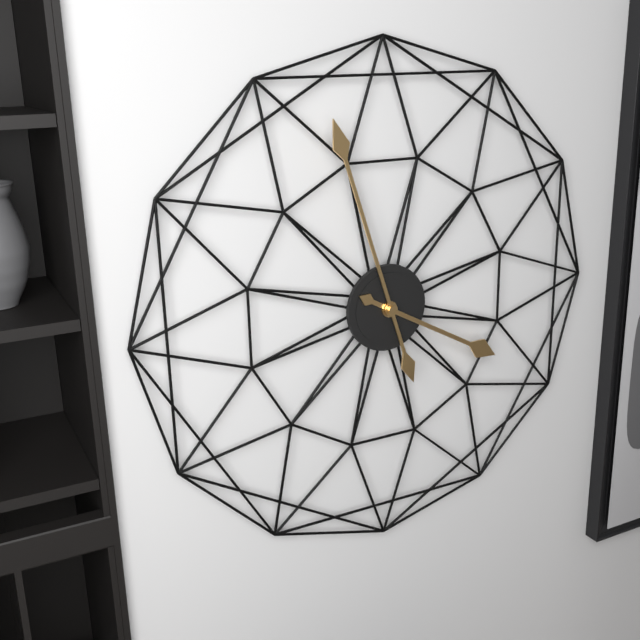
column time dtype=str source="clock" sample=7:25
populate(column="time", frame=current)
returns 3:57
